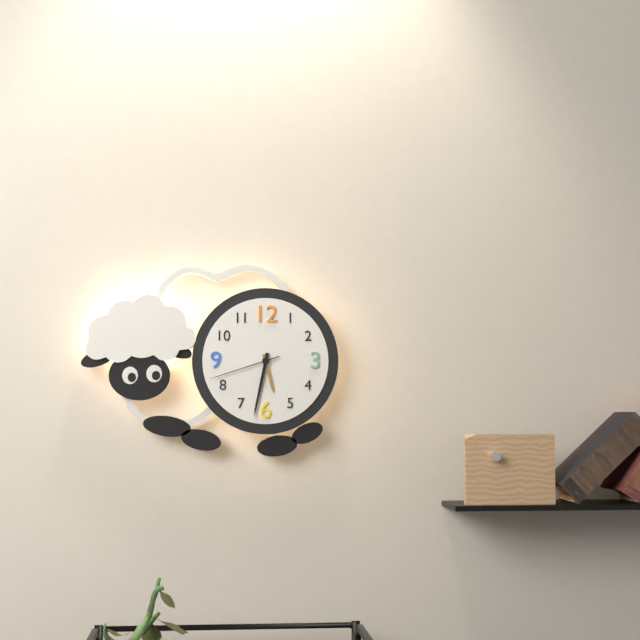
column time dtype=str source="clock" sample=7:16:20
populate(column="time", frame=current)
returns 5:32:42
